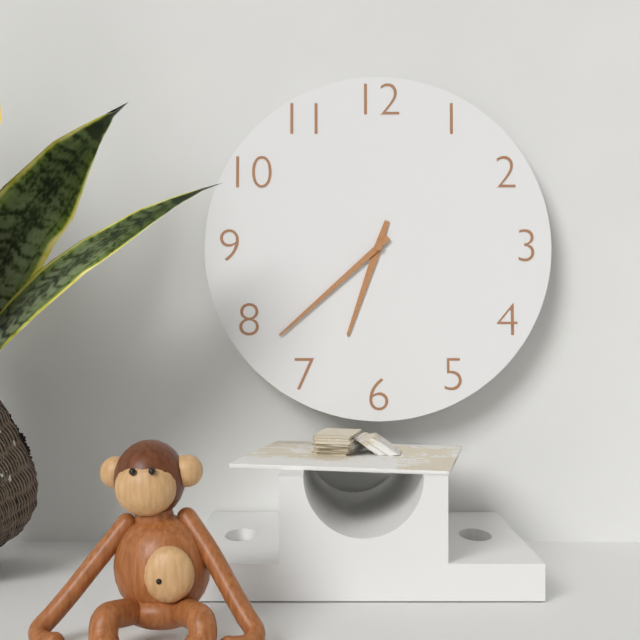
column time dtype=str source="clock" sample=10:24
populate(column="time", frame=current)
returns 6:38
